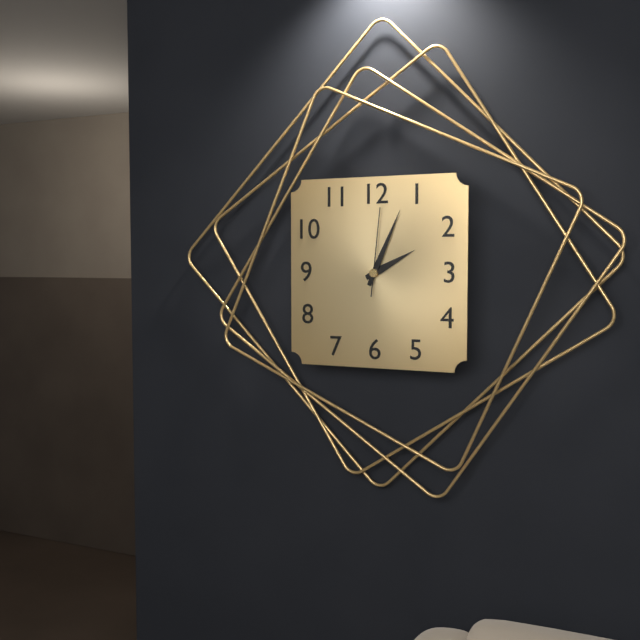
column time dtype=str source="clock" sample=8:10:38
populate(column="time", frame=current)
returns 2:04:01
